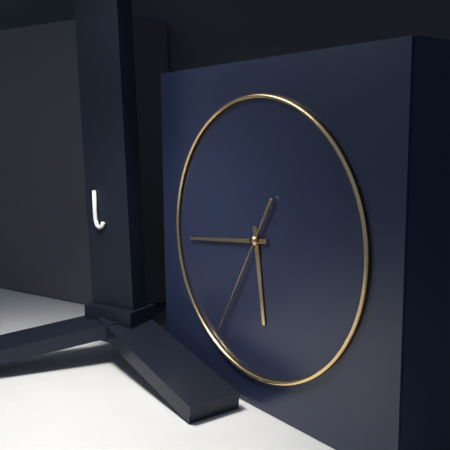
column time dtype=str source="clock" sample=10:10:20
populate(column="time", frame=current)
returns 5:44:35
